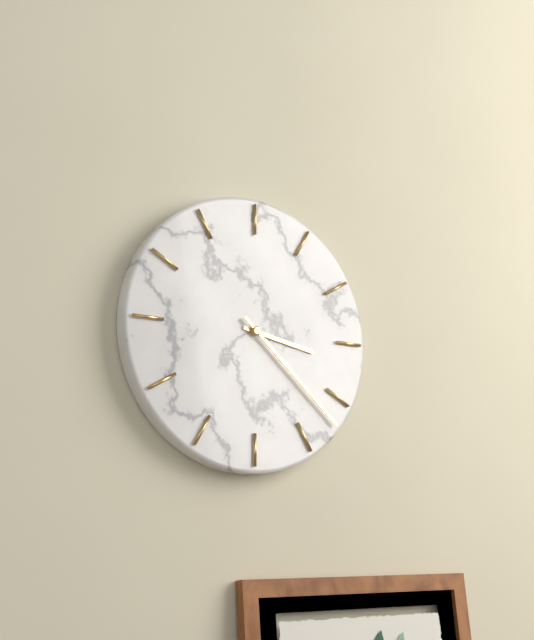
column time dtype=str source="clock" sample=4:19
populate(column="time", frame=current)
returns 3:22
